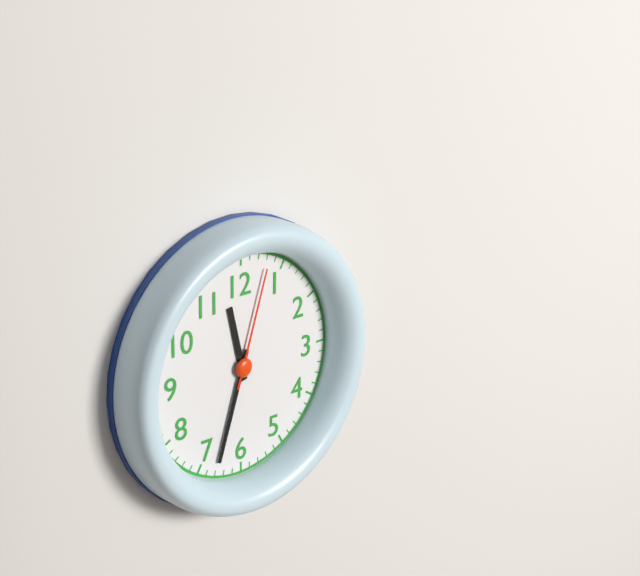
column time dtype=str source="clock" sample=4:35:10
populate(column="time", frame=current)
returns 11:33:03
